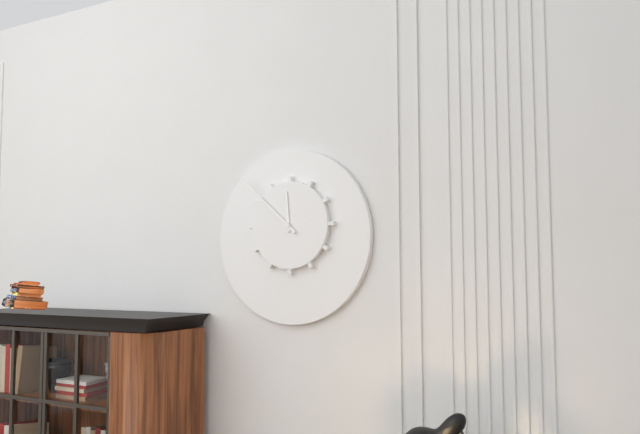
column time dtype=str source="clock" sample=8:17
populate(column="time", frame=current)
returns 11:52
